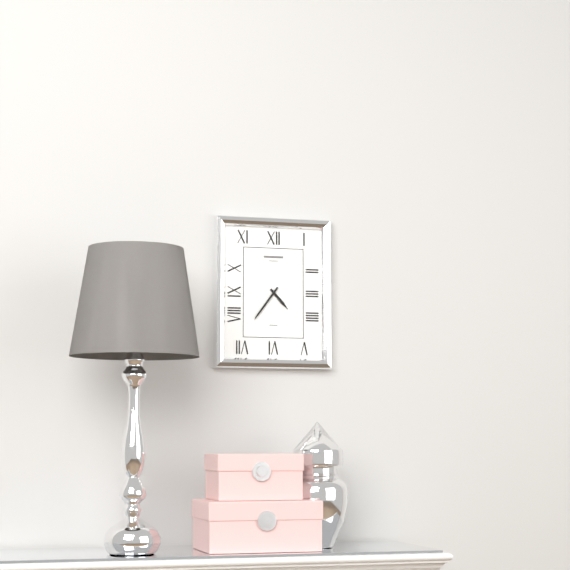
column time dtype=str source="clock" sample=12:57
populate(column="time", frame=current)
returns 4:36
